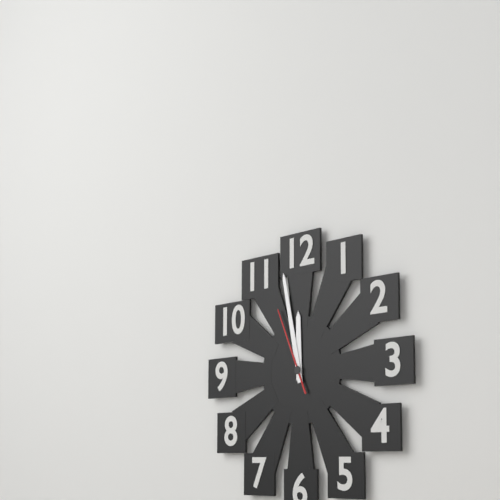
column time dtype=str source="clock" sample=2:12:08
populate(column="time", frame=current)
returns 11:58:56
